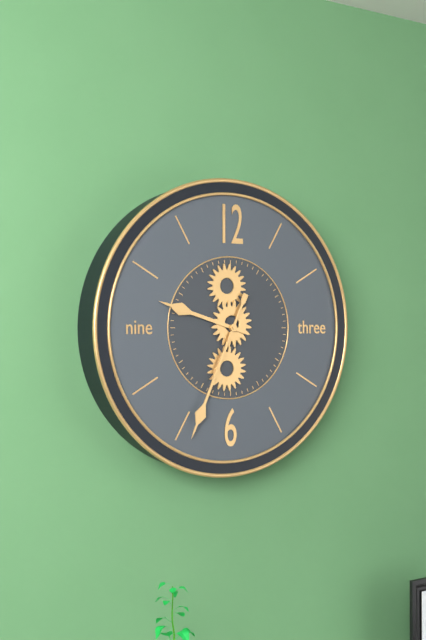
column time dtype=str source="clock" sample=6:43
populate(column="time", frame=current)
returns 9:34
